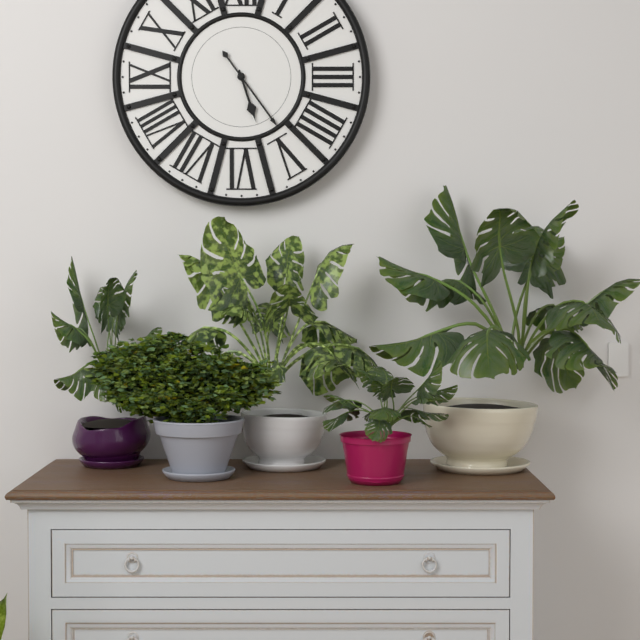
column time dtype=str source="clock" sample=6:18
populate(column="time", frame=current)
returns 5:24
